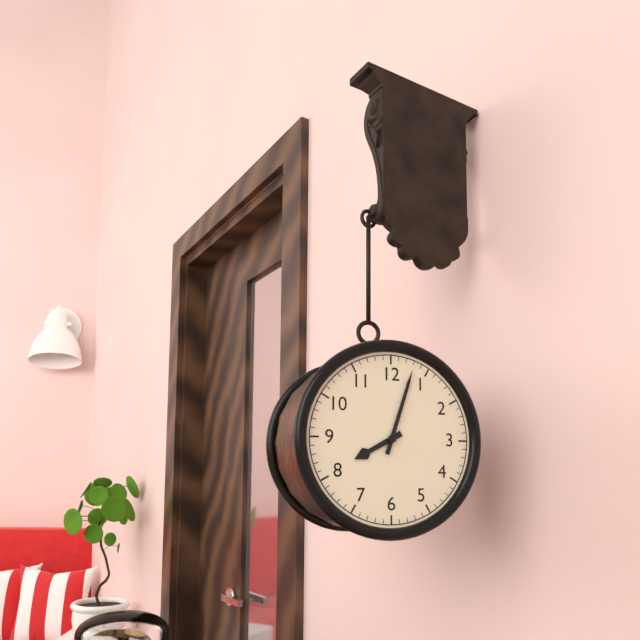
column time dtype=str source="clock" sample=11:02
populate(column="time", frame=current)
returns 8:03
